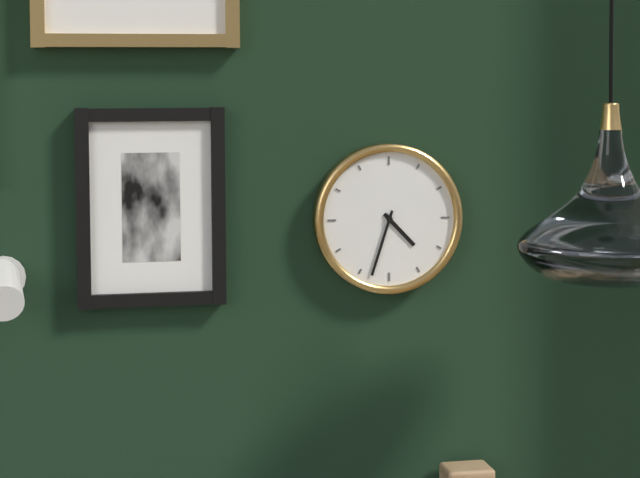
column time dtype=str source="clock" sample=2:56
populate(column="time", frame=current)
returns 4:33
